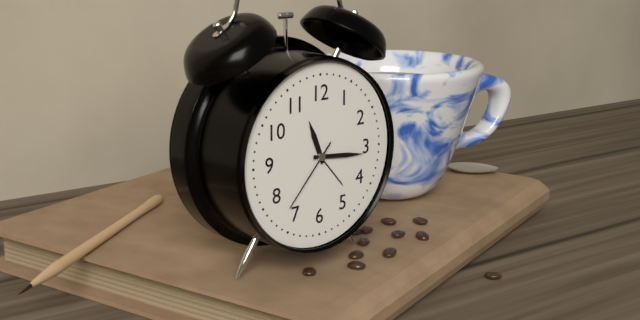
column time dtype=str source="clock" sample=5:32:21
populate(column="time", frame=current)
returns 11:16:37
